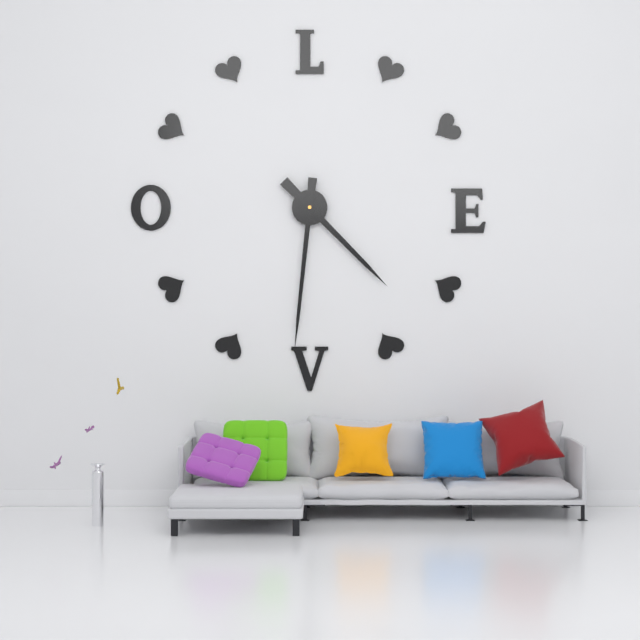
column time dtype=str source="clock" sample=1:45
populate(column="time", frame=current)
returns 4:31
